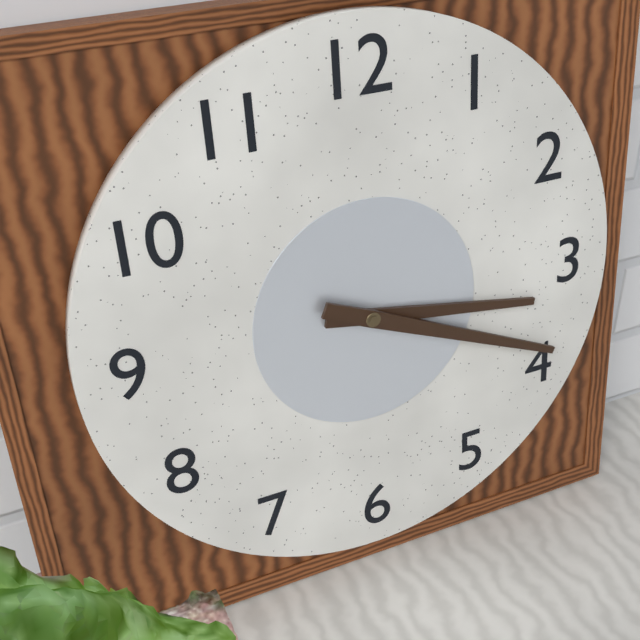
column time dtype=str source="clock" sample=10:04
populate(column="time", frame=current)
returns 3:19
